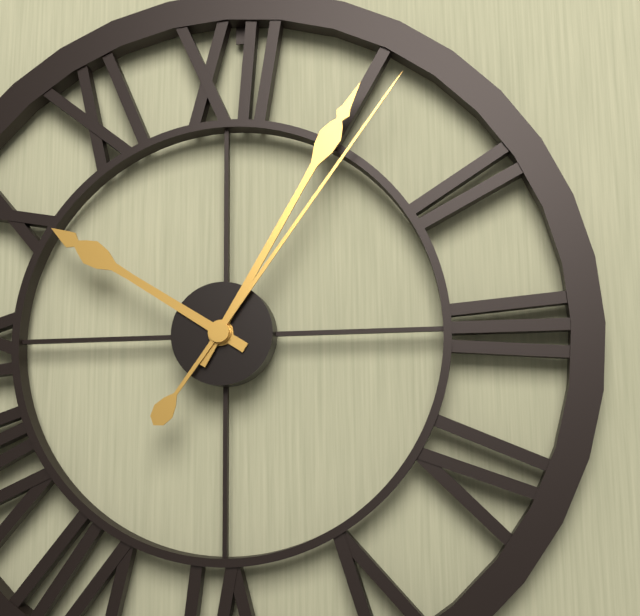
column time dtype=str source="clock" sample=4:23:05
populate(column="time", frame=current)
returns 10:05:06
